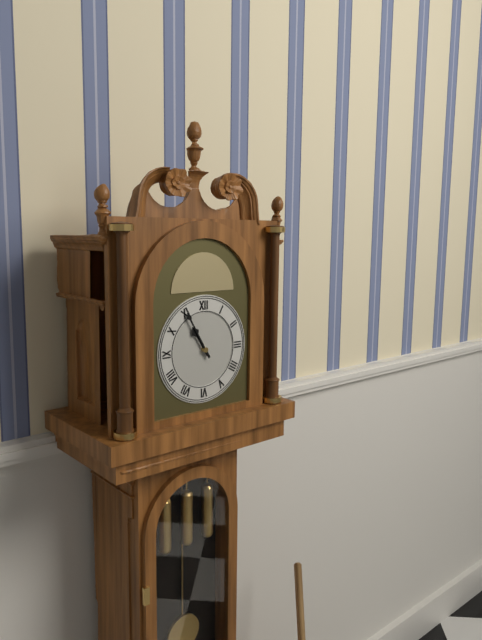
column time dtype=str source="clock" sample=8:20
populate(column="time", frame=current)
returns 10:55
